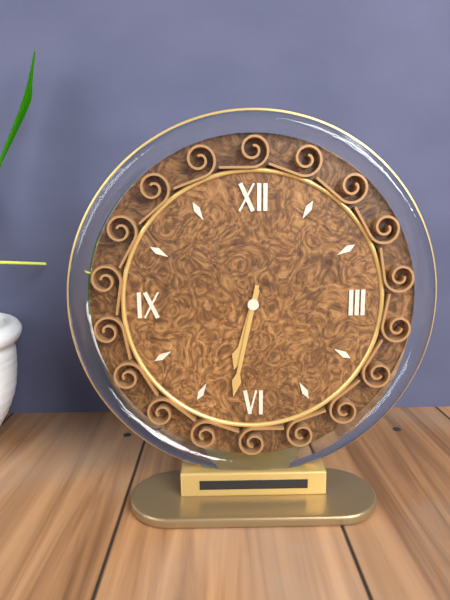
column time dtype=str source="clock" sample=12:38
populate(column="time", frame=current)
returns 6:32
